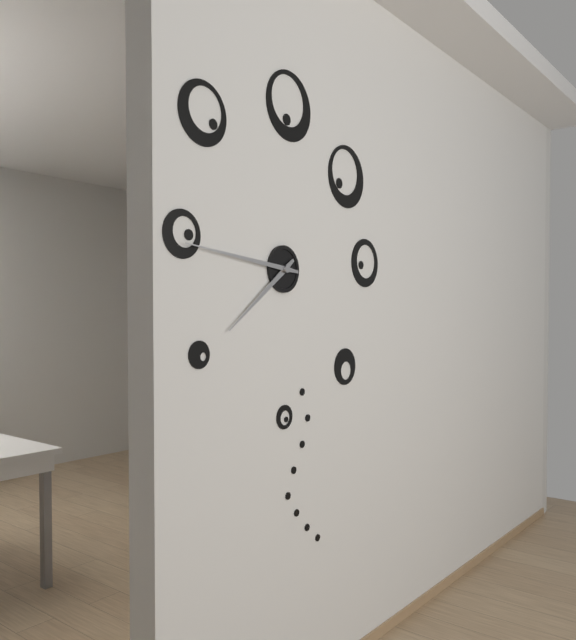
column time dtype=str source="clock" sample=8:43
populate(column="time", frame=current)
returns 7:46
